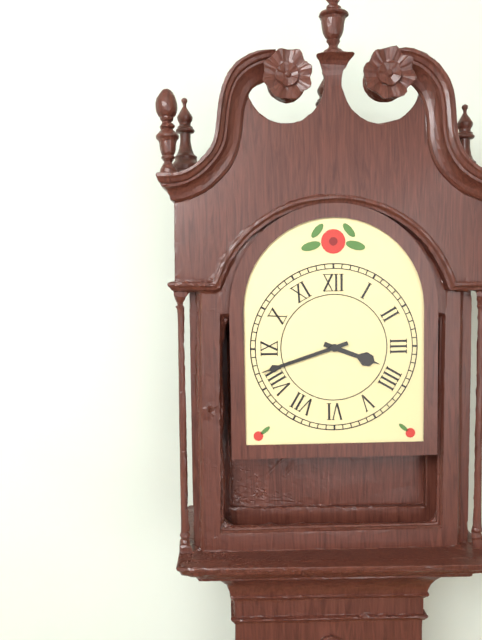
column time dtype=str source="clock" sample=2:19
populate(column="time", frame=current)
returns 3:42
